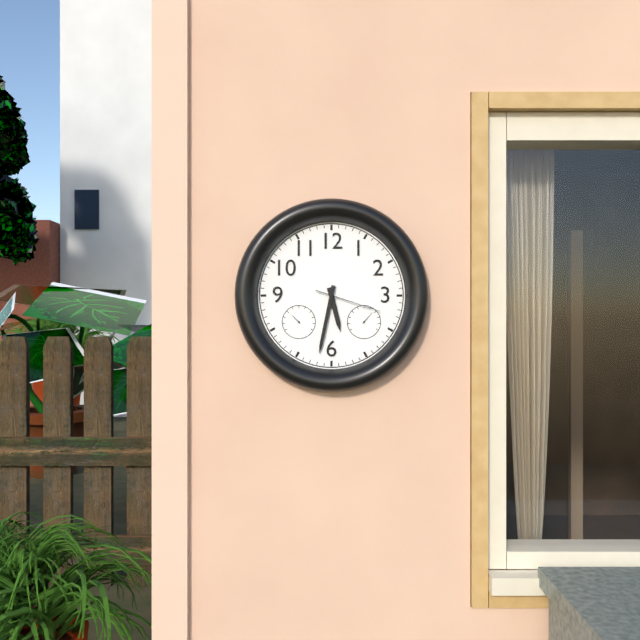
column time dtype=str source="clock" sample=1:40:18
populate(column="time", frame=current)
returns 5:32:18
